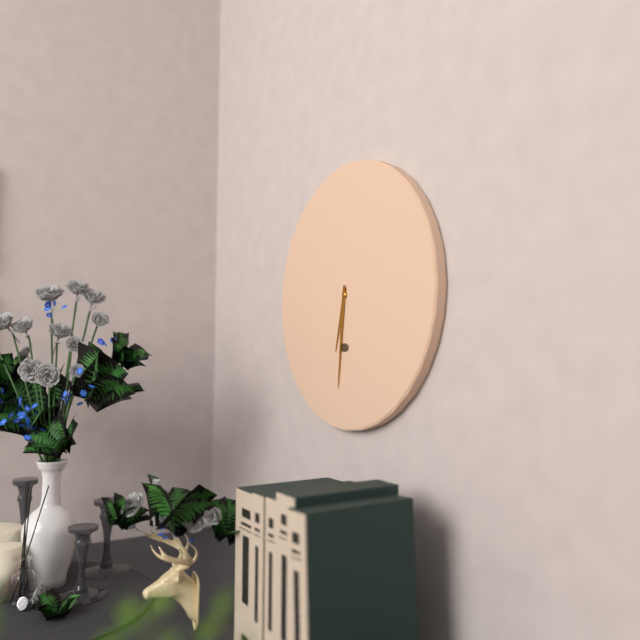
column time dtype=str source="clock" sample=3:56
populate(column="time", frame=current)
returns 6:31
